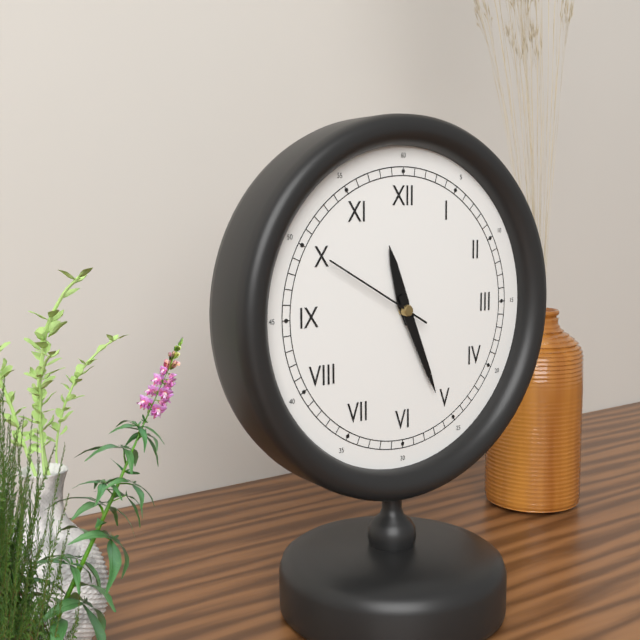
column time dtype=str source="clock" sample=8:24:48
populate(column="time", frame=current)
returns 11:26:50
